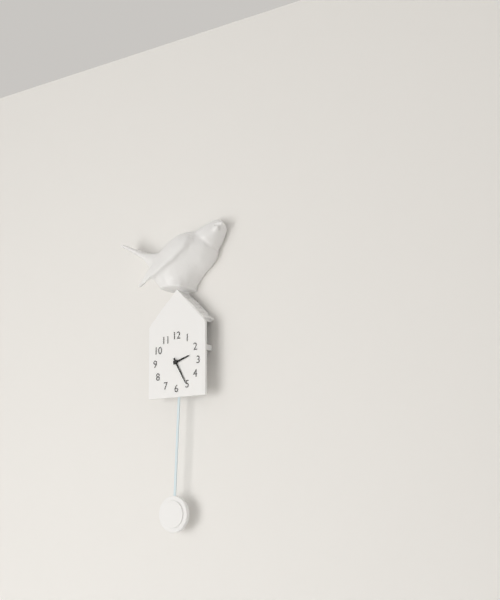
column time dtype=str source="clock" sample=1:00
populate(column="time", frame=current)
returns 2:25
